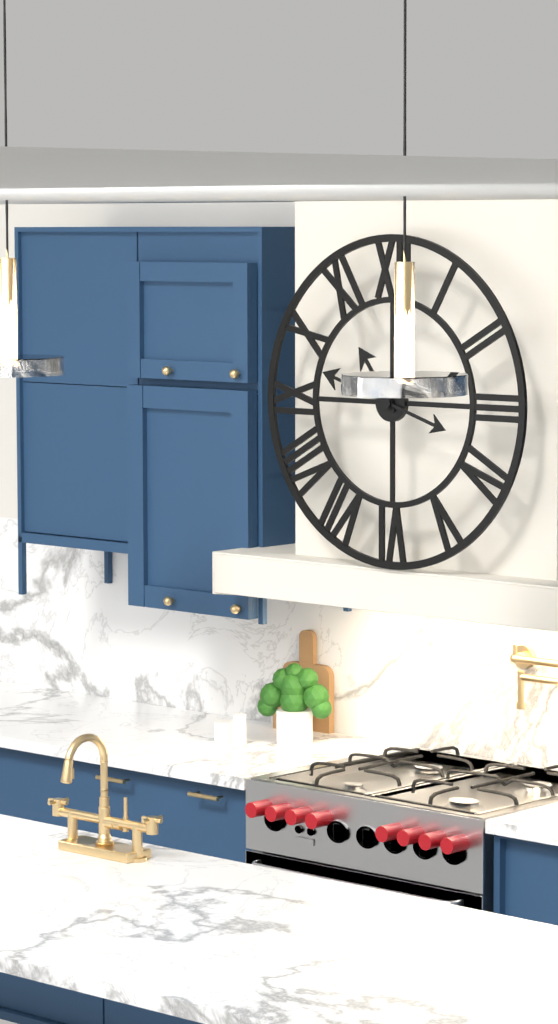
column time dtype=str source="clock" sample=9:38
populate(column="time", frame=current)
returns 10:48
